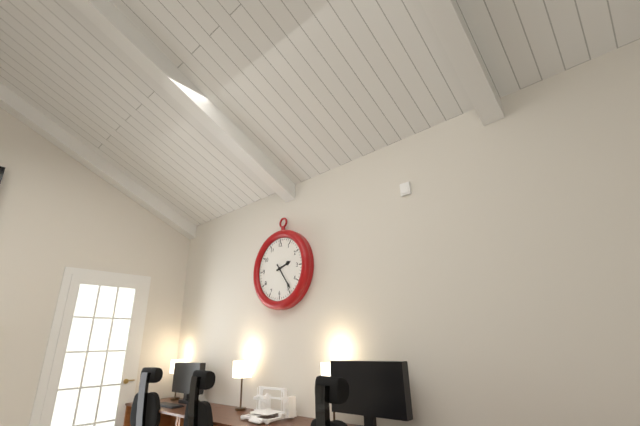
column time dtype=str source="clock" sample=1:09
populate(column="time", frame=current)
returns 2:24
